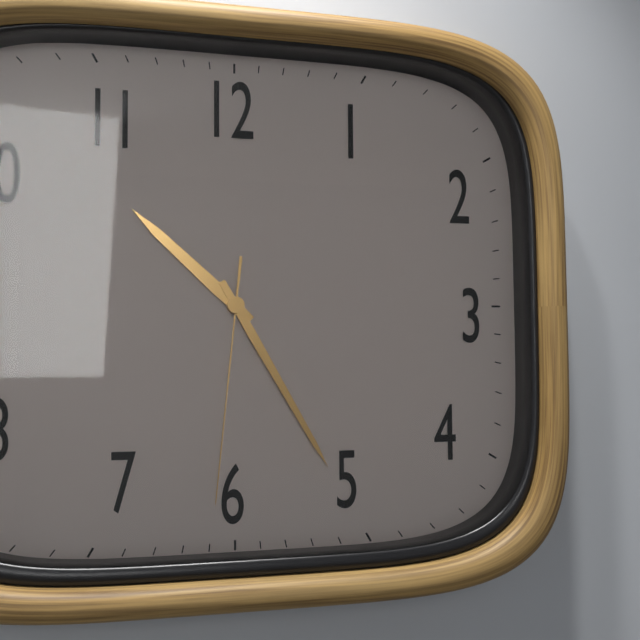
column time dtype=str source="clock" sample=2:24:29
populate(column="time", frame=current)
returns 10:25:31
